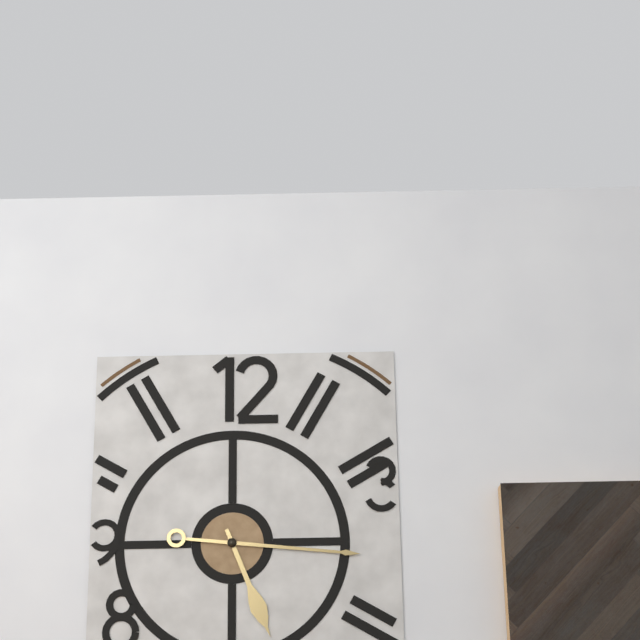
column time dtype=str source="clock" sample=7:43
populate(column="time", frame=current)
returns 5:16
